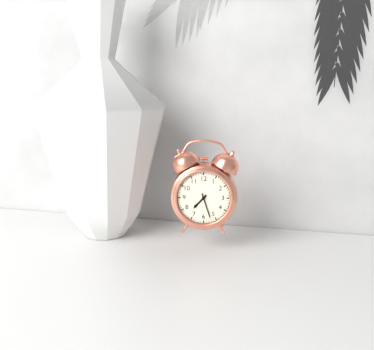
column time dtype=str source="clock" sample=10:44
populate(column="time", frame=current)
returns 7:27
